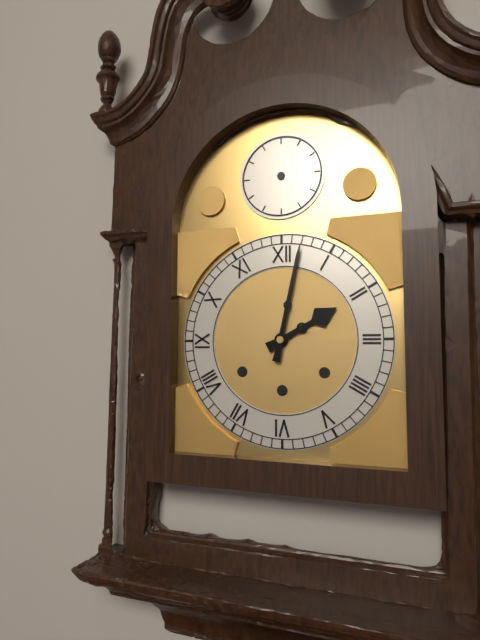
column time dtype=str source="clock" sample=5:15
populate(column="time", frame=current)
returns 2:02
